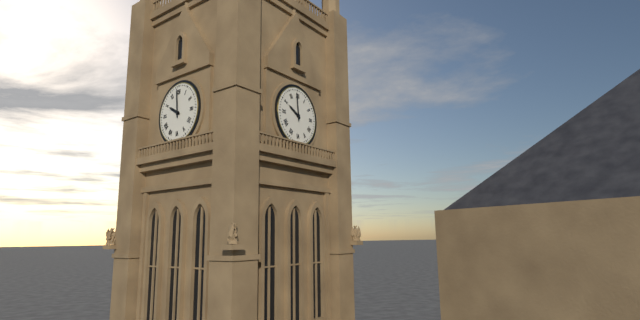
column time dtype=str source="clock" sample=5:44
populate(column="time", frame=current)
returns 9:59
